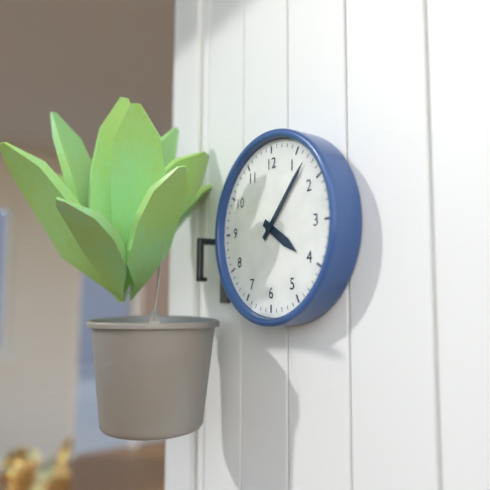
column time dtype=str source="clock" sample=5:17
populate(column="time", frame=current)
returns 4:07
